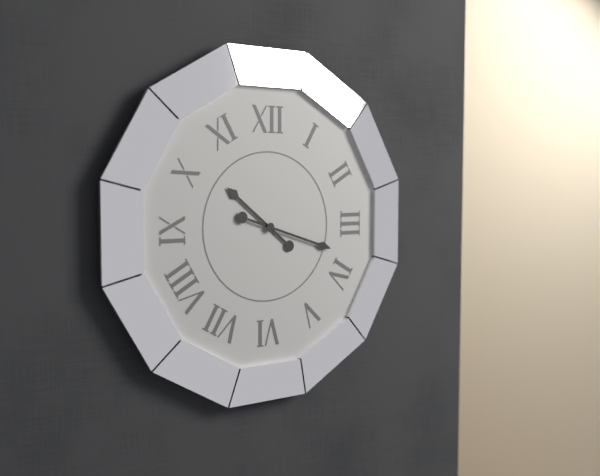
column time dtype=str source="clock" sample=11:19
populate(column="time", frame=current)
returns 10:18
